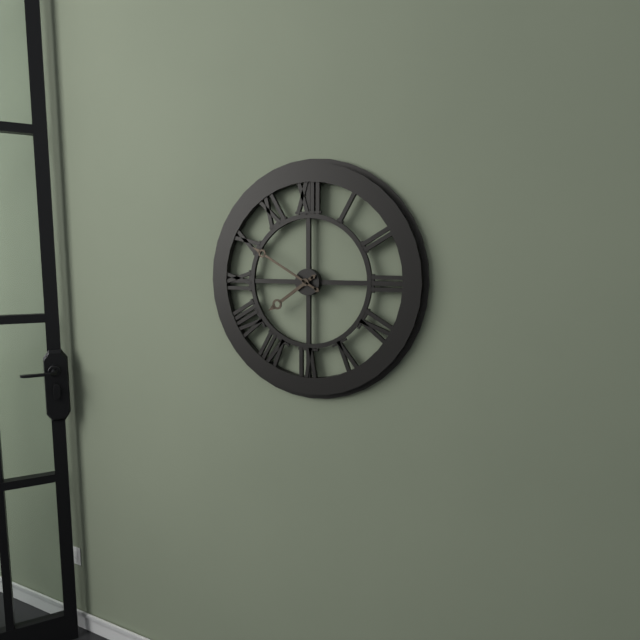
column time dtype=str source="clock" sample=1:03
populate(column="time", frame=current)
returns 7:50
